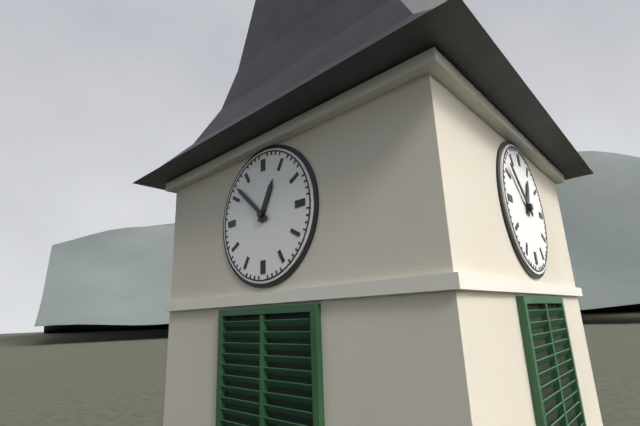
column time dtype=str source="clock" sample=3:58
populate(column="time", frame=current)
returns 12:52
